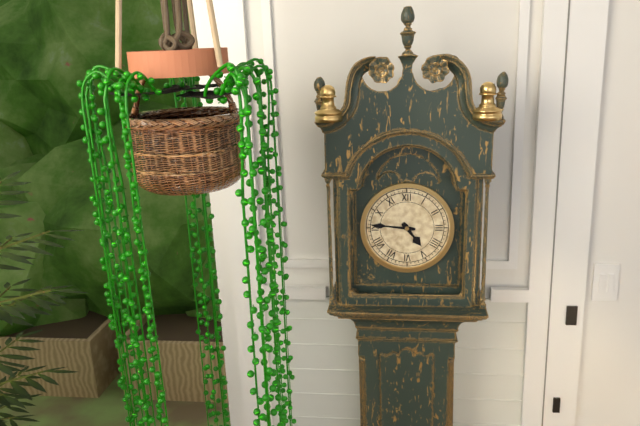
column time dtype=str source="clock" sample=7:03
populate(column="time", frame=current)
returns 4:46
